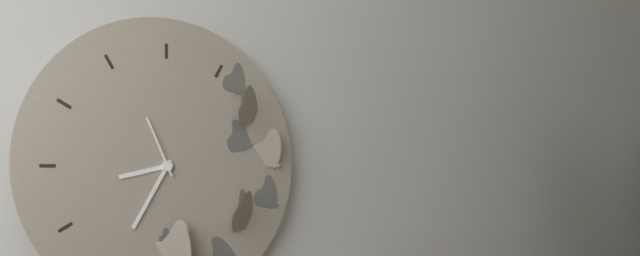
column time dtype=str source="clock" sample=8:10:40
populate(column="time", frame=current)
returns 8:35:56
